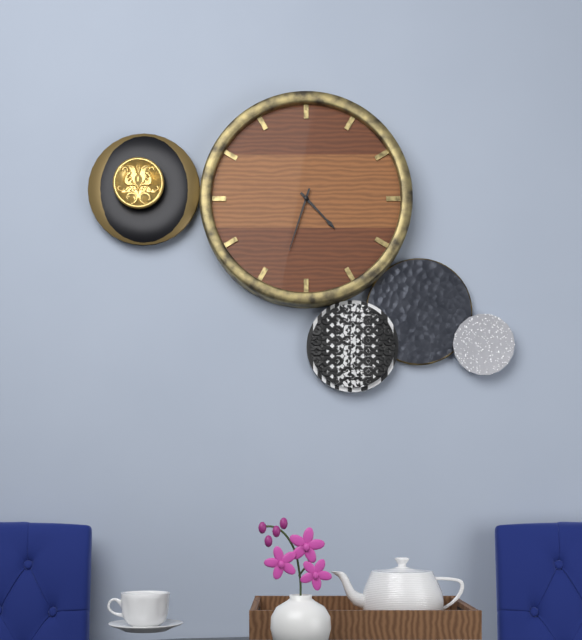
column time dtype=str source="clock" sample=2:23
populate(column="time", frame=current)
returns 4:33
